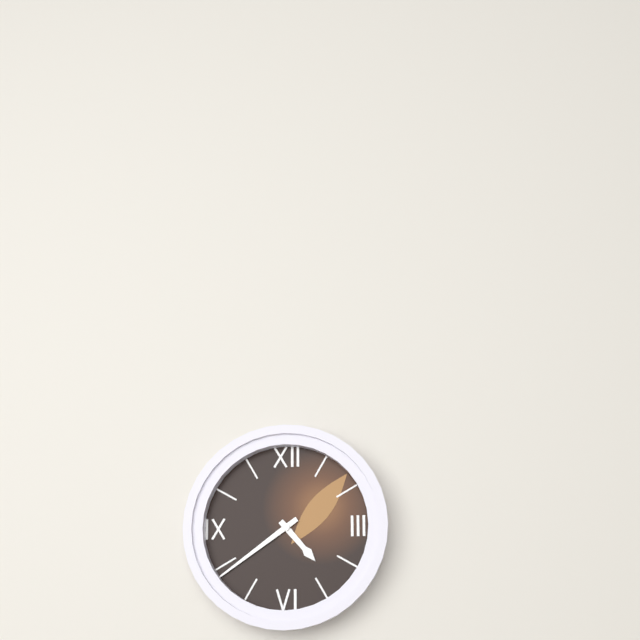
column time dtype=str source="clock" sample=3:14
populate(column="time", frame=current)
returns 4:39
